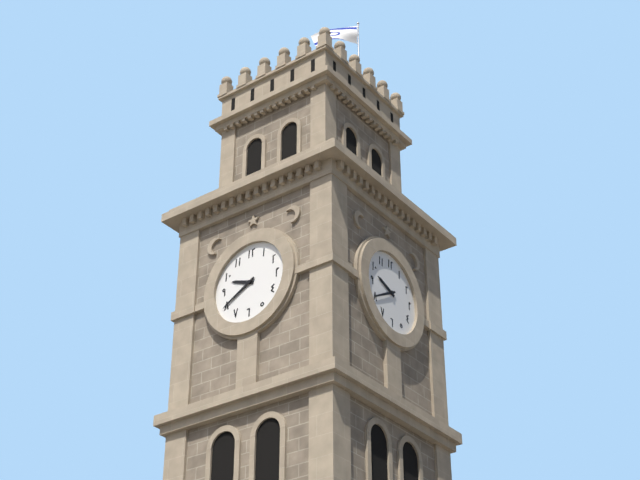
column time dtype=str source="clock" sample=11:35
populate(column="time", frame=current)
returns 9:40
